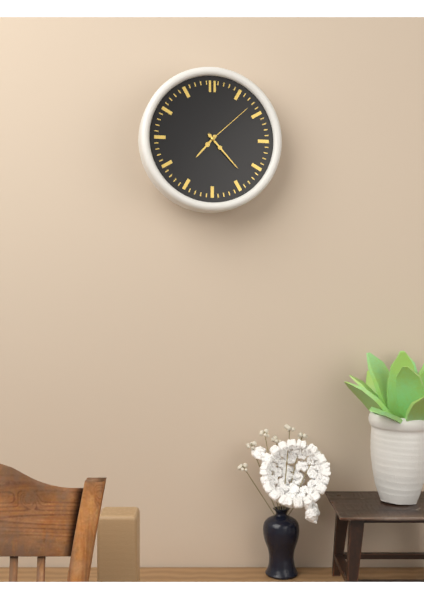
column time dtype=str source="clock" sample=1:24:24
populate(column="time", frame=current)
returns 7:23:08
